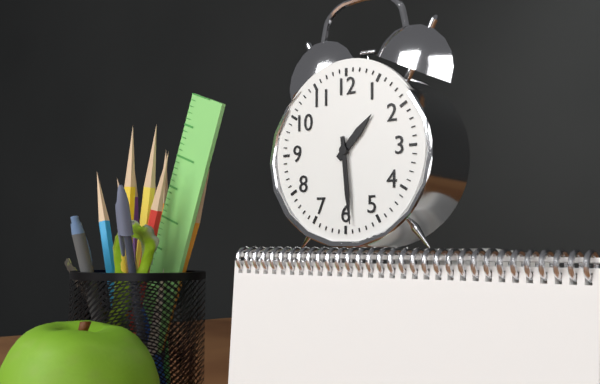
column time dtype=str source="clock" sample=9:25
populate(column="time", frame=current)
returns 1:29
